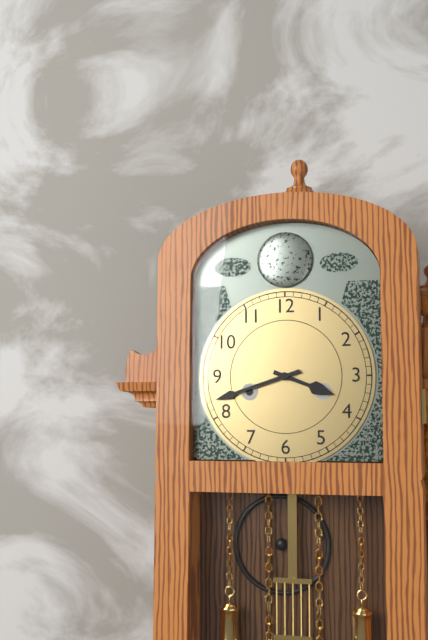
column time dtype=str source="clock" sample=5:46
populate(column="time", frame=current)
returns 3:42
